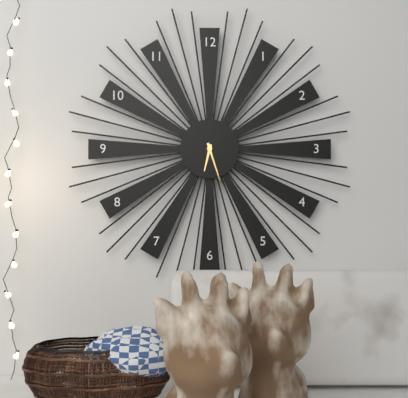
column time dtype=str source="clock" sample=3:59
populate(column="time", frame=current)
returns 6:27
